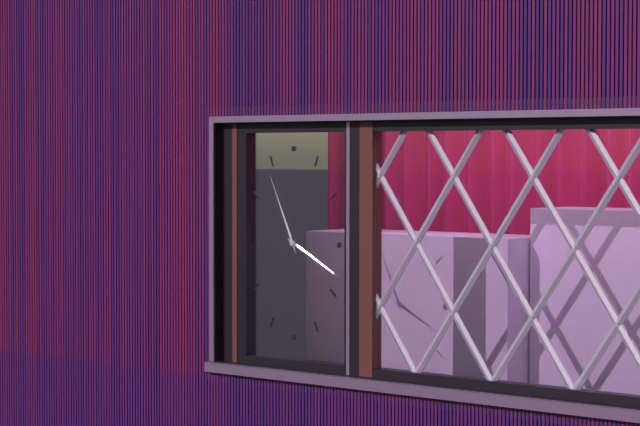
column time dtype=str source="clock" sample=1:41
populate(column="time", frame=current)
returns 3:56
